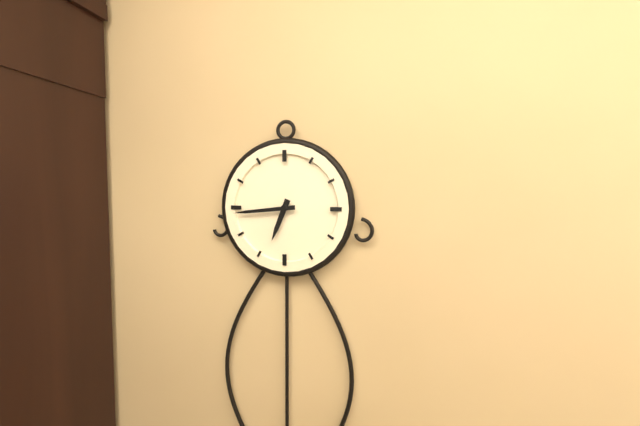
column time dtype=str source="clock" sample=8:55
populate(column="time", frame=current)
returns 6:44
